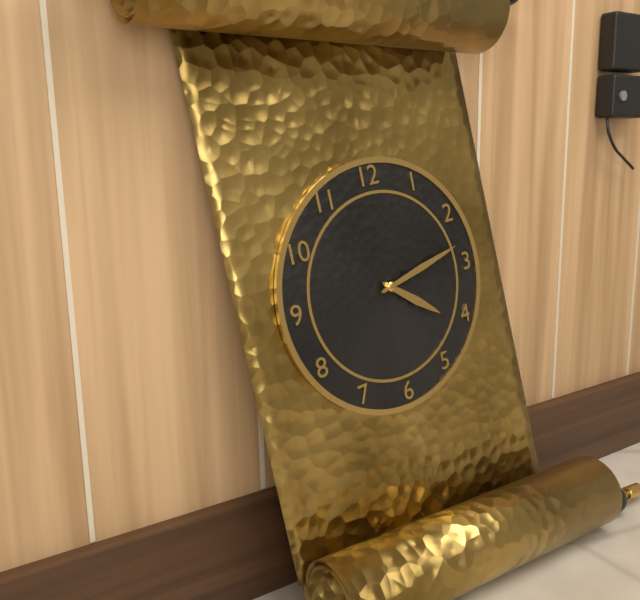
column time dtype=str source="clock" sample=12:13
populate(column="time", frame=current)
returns 4:13
